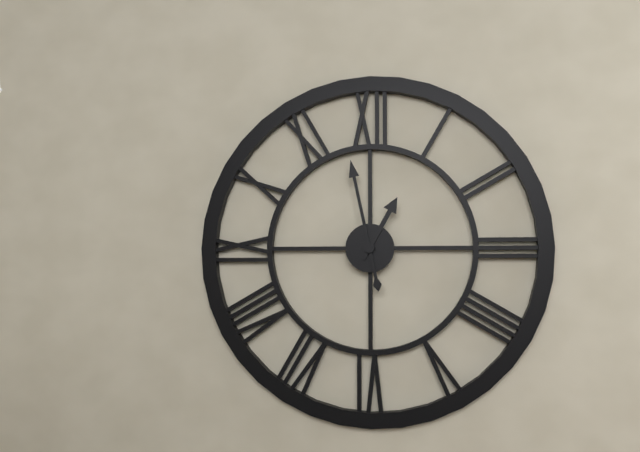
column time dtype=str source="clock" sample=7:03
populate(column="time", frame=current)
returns 12:58
